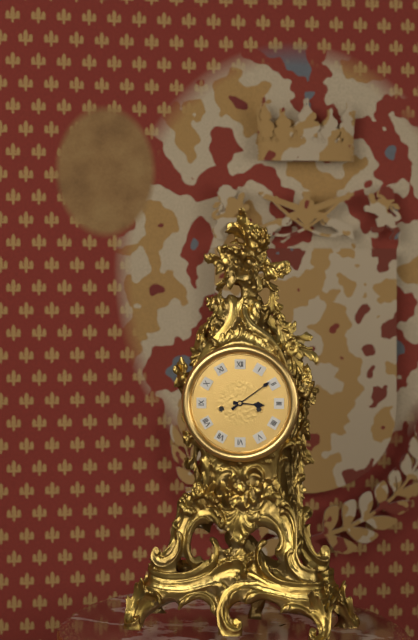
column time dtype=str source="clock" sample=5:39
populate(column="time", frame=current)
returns 3:09
